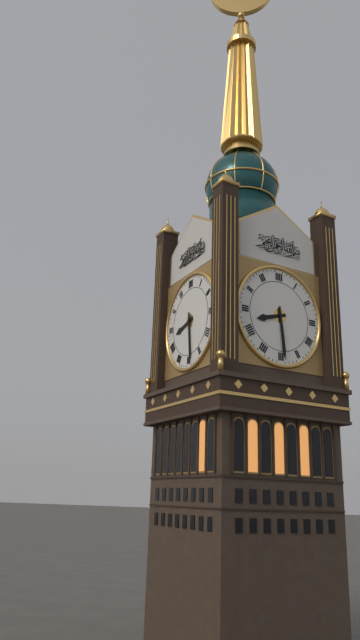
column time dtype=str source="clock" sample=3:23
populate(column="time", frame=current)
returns 8:29
